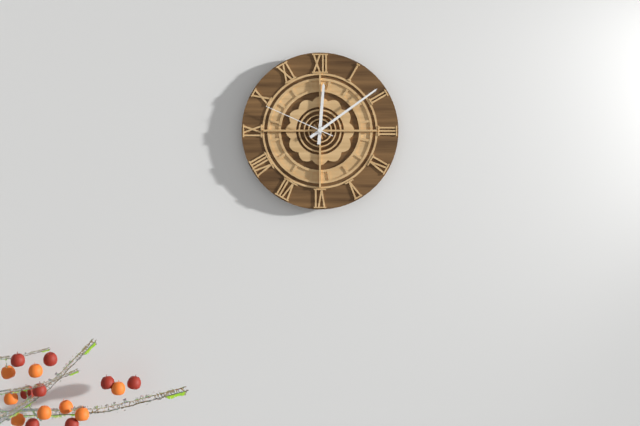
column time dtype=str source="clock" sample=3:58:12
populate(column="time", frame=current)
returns 12:09:49
